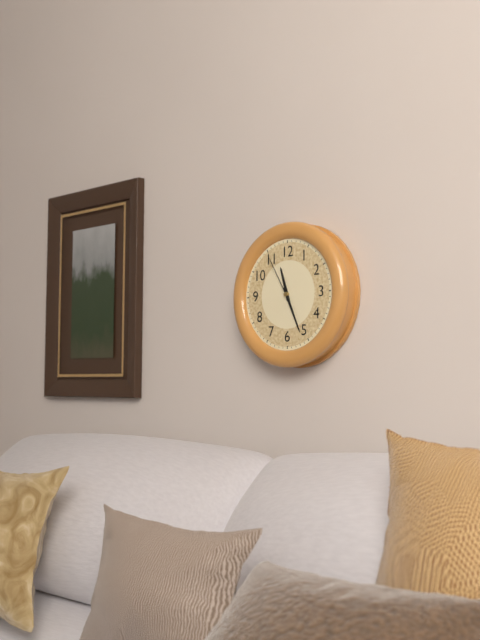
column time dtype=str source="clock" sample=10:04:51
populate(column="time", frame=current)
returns 11:26:55
